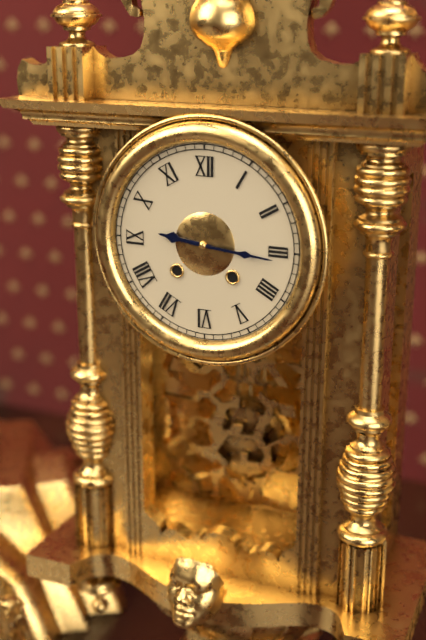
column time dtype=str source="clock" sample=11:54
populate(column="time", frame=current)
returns 9:16
